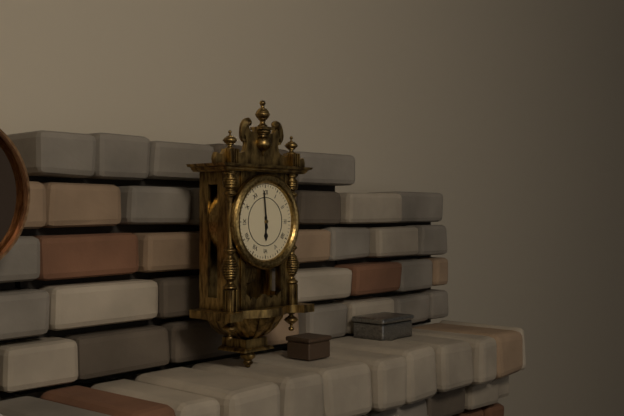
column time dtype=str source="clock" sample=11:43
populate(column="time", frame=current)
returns 5:59
